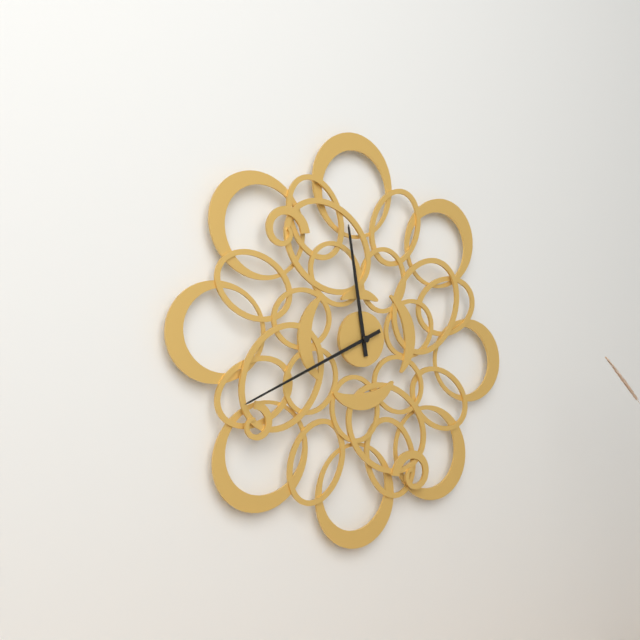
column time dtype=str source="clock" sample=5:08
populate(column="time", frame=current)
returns 11:41
